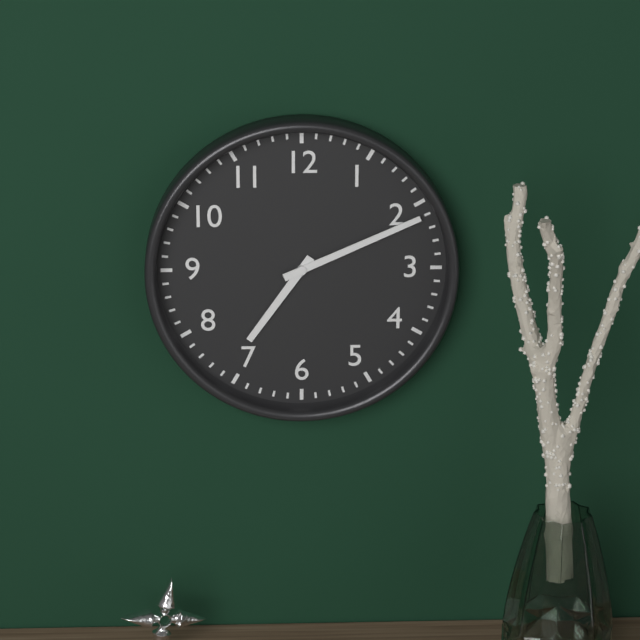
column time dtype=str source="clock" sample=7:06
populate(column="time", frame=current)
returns 7:11
